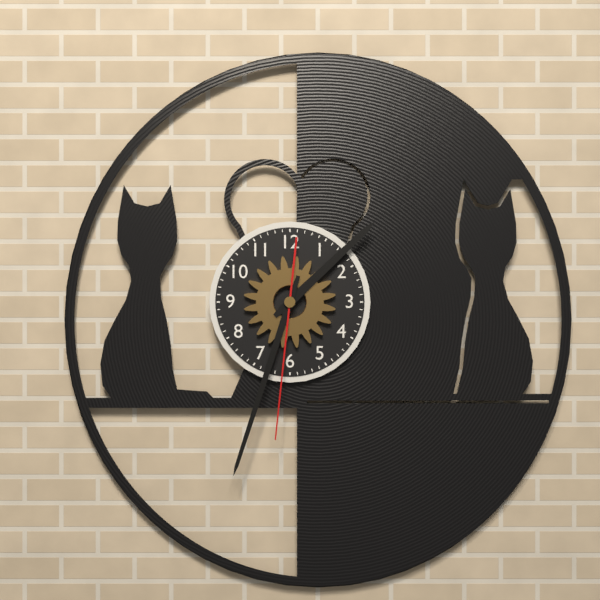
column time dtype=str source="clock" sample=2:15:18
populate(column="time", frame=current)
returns 1:33:31
